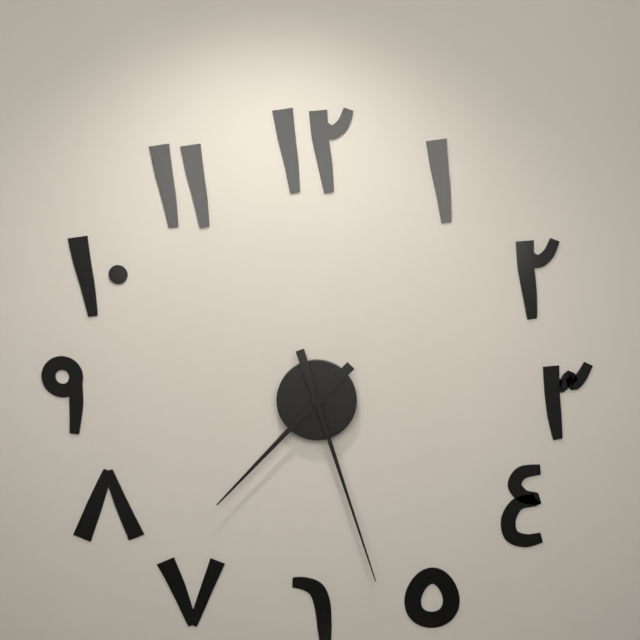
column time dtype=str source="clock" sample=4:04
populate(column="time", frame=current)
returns 7:27
